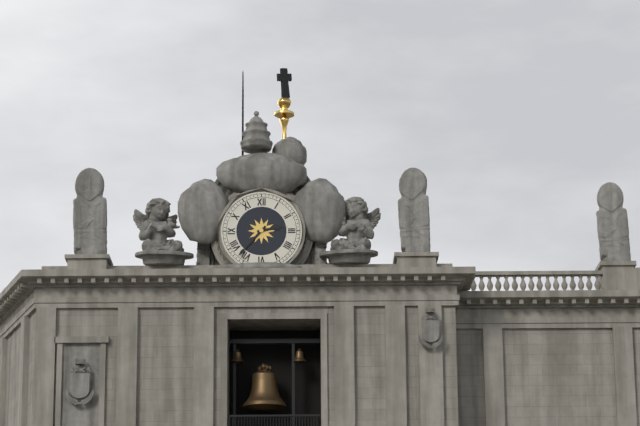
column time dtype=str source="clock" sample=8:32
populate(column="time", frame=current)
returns 2:37
